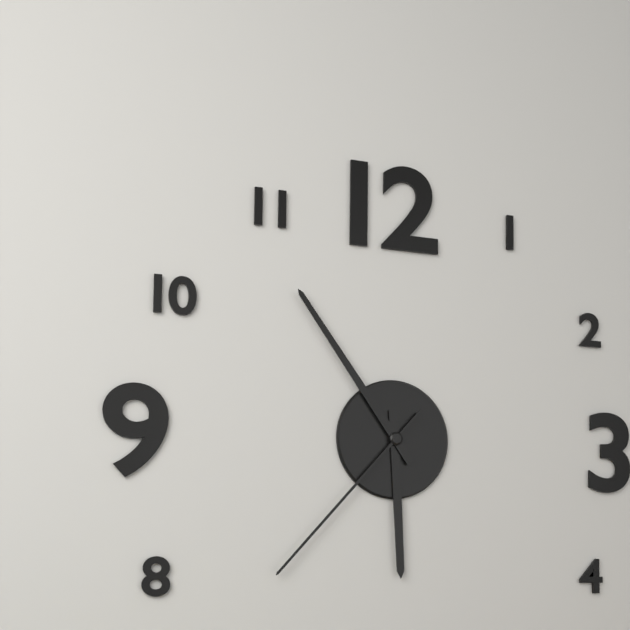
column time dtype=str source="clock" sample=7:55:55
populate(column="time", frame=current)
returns 5:54:37
